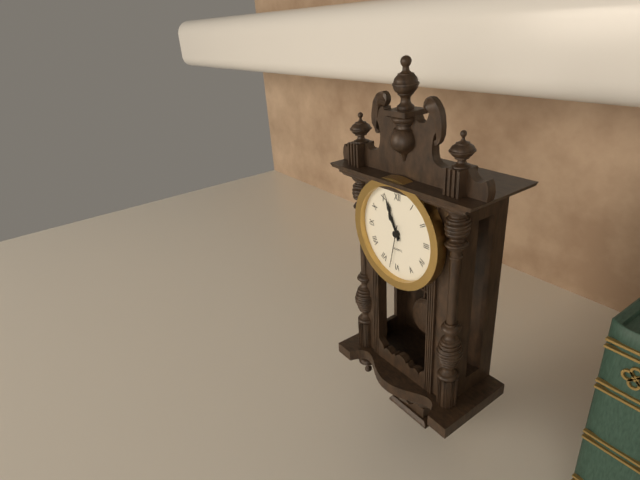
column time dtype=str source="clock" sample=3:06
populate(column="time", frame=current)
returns 10:56
